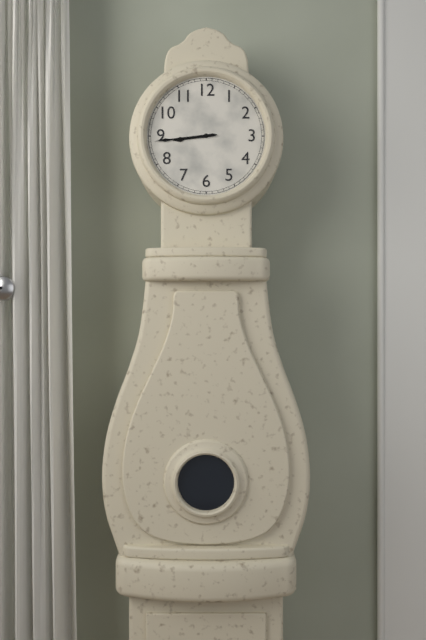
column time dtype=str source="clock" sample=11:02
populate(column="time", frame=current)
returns 8:44
